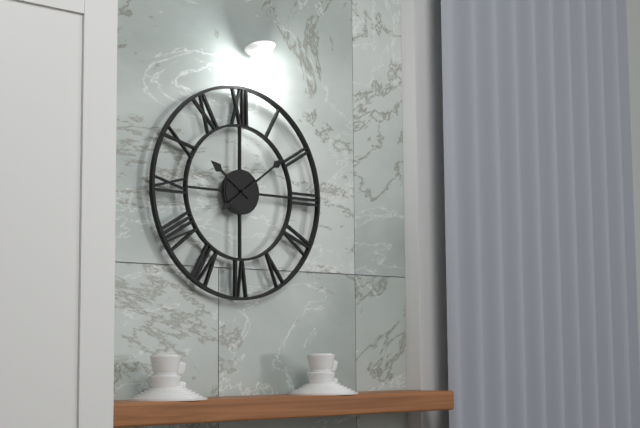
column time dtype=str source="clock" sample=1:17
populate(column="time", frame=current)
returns 10:09
